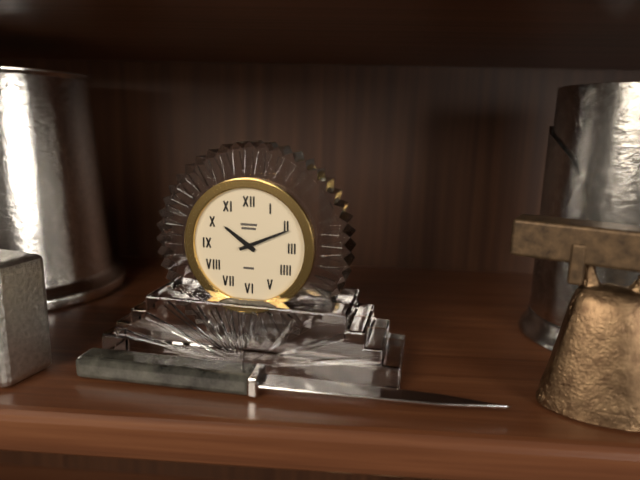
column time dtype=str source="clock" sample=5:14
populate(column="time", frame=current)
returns 10:11
